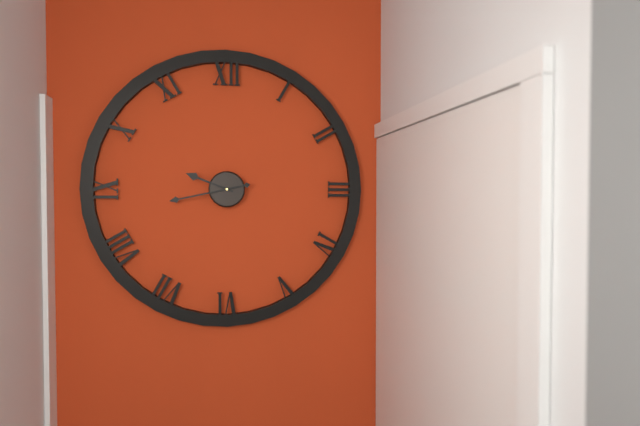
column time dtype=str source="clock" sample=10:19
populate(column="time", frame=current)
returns 9:43
